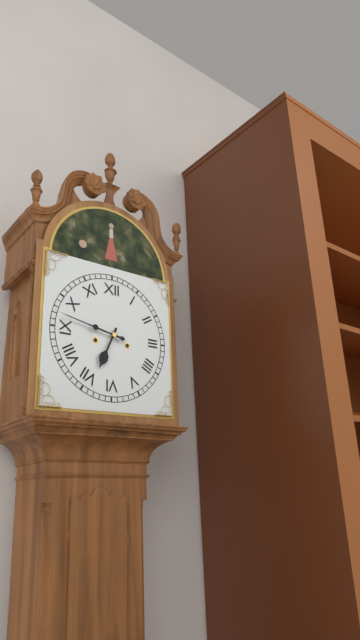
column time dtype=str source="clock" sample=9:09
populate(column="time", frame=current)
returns 6:47
